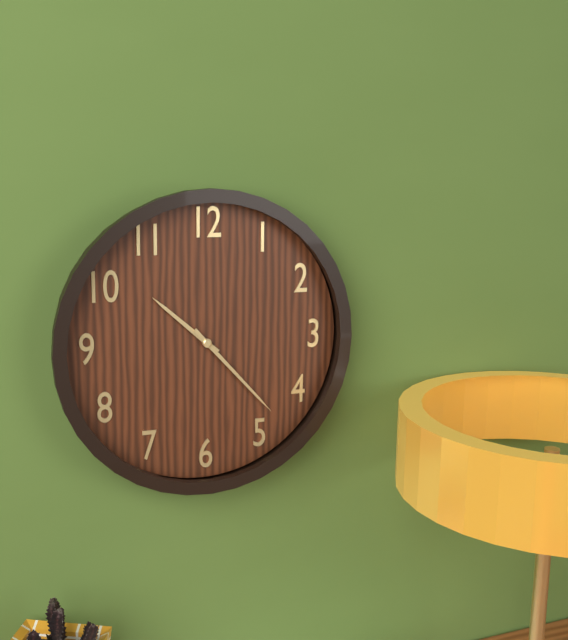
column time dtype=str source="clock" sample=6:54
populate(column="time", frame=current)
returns 10:23
